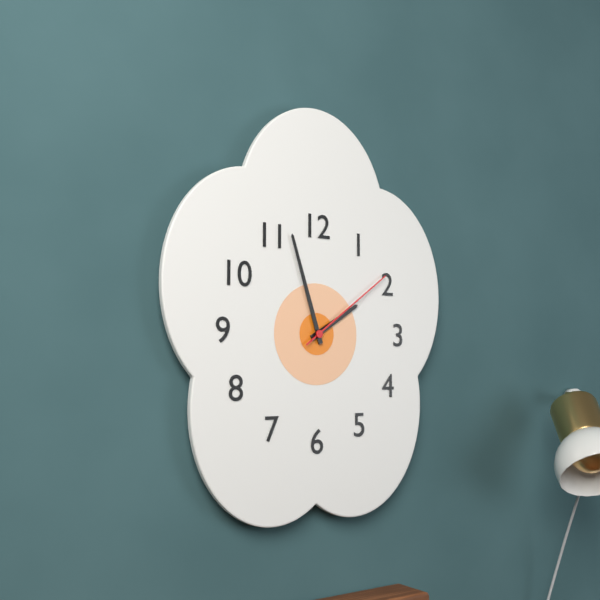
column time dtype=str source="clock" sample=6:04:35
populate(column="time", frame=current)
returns 1:57:09
